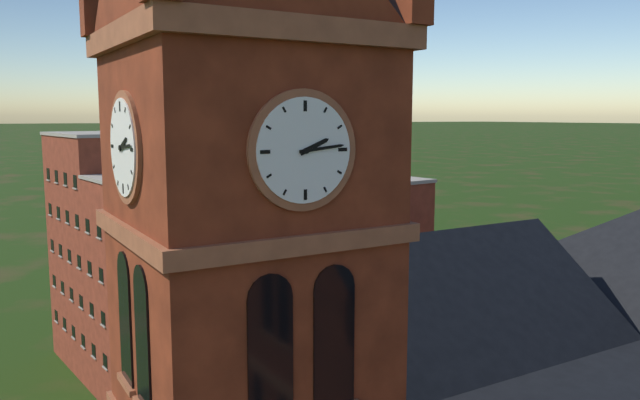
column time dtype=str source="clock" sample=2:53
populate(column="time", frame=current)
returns 2:14
